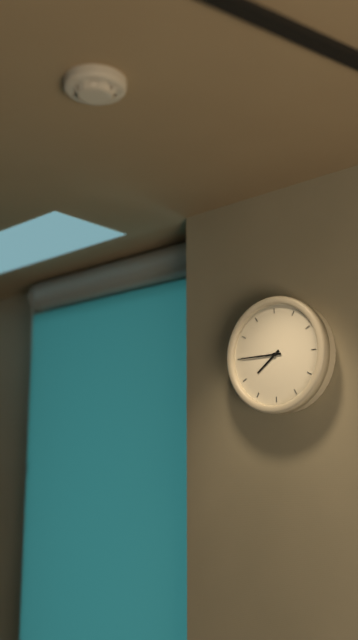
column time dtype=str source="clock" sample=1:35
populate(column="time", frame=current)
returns 7:45
